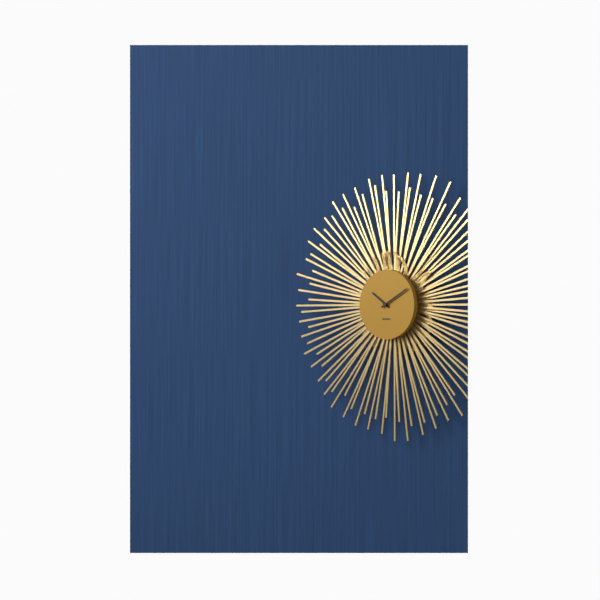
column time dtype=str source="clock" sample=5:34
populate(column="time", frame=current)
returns 10:10
